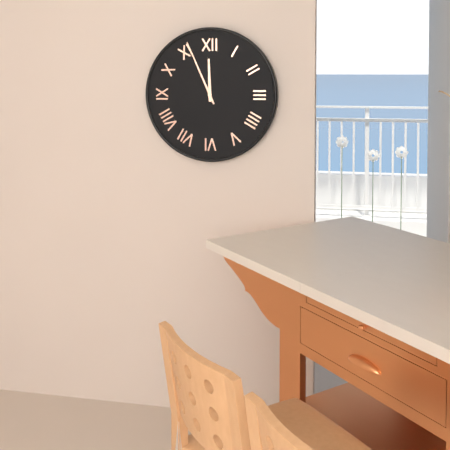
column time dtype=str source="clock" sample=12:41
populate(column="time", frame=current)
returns 11:56
